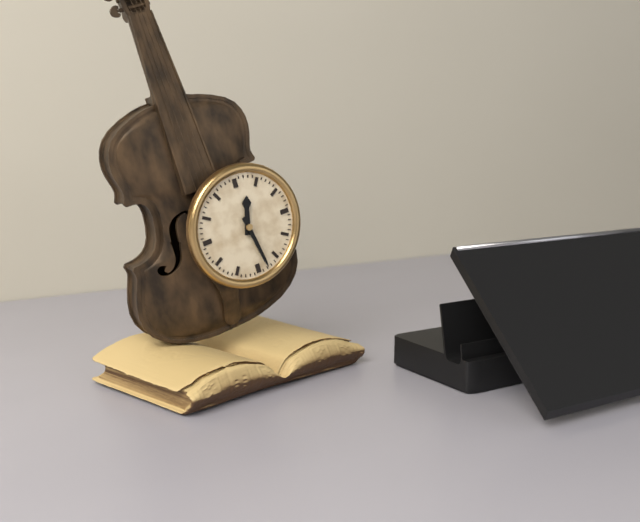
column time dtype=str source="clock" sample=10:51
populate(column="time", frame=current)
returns 12:28
